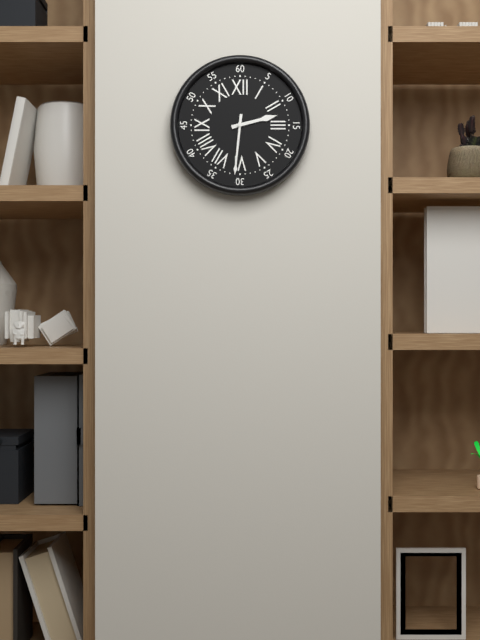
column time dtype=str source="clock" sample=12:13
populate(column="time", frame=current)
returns 2:31
